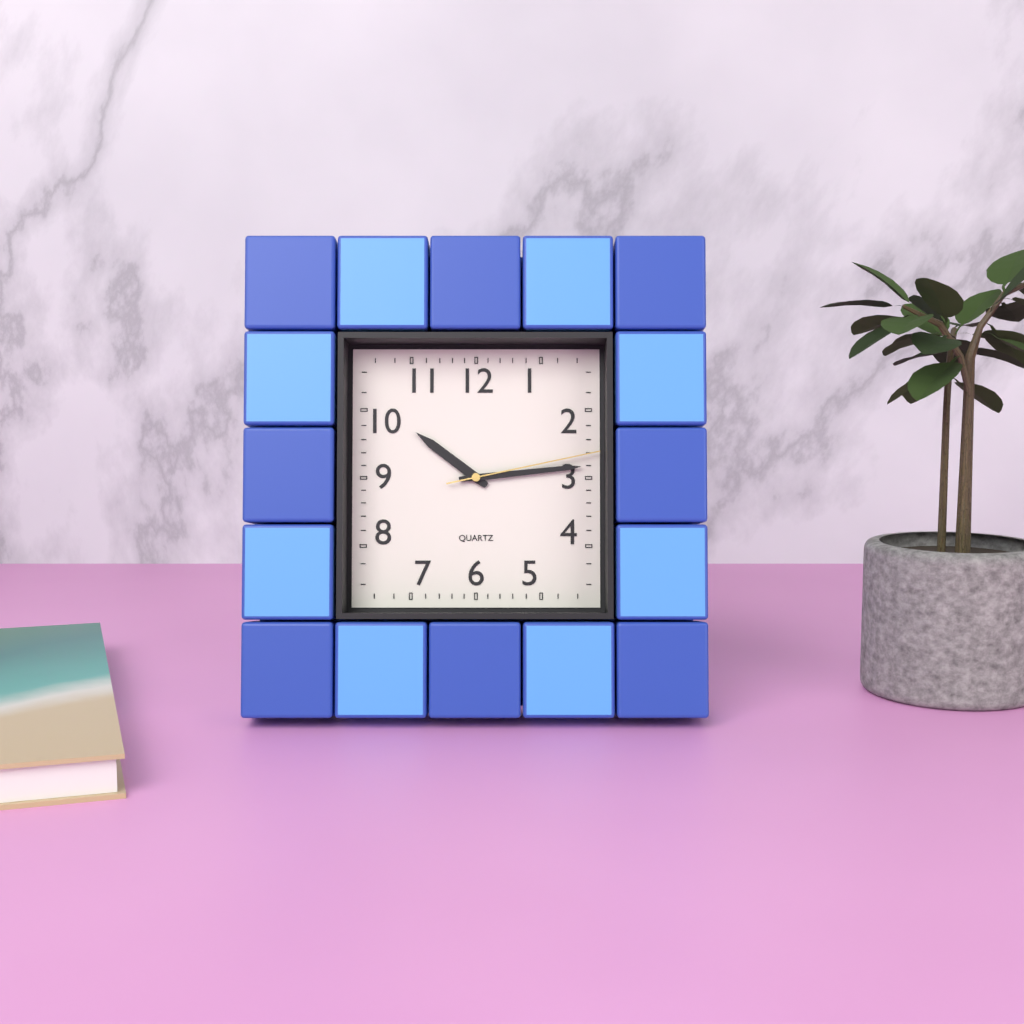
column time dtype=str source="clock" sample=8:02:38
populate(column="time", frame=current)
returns 10:14:13
